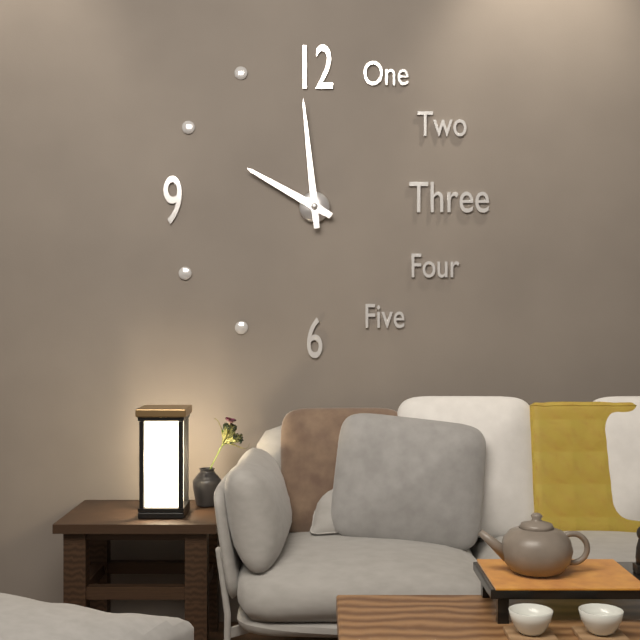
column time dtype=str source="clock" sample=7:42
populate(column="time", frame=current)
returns 9:59
